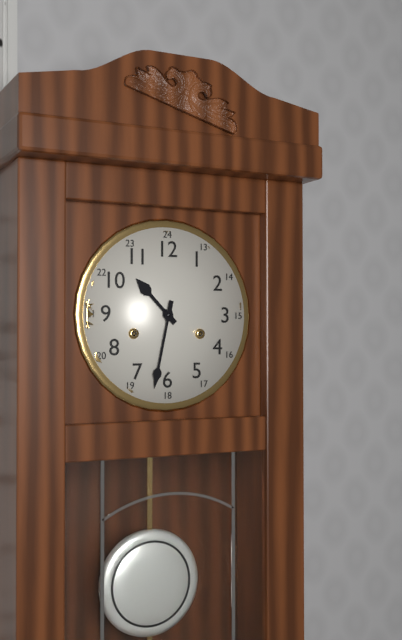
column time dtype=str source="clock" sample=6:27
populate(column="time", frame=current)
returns 10:32
